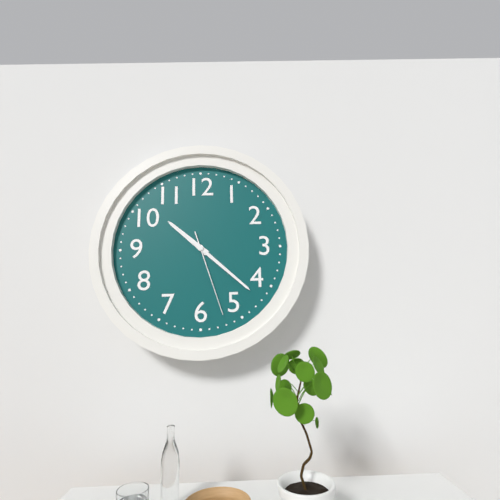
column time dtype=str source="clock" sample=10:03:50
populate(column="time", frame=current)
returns 10:22:27
